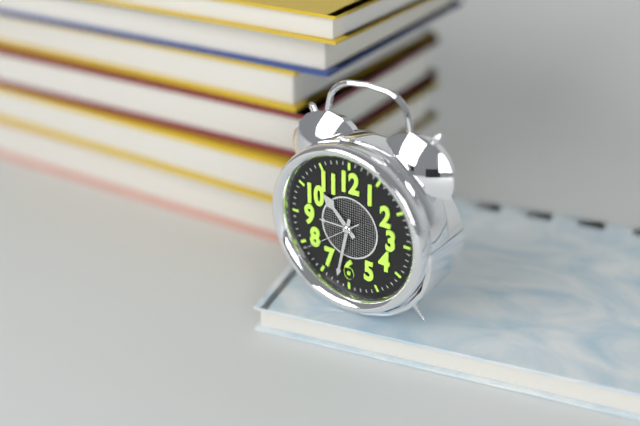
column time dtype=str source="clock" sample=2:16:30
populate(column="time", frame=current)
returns 10:32:39
